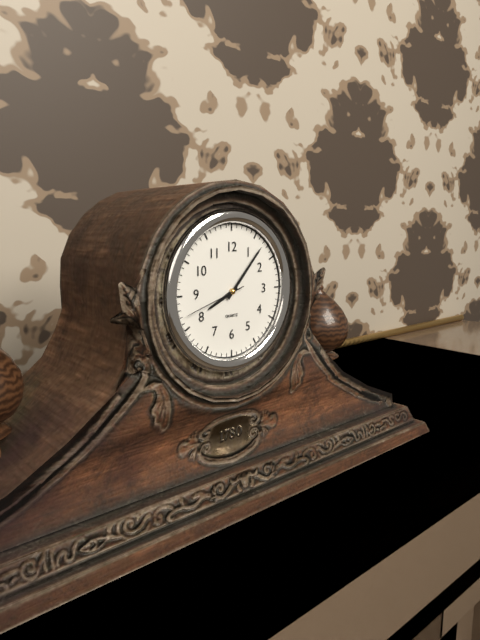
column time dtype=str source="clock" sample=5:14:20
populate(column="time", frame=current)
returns 8:07:42
